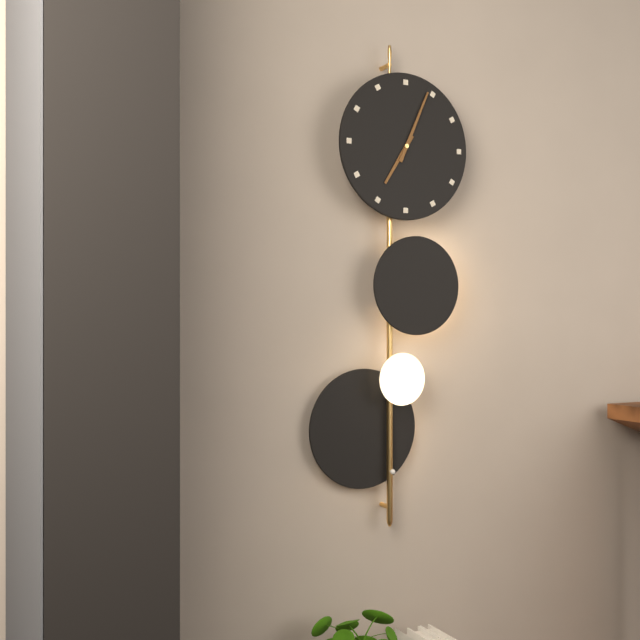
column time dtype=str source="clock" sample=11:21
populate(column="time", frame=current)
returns 7:04
